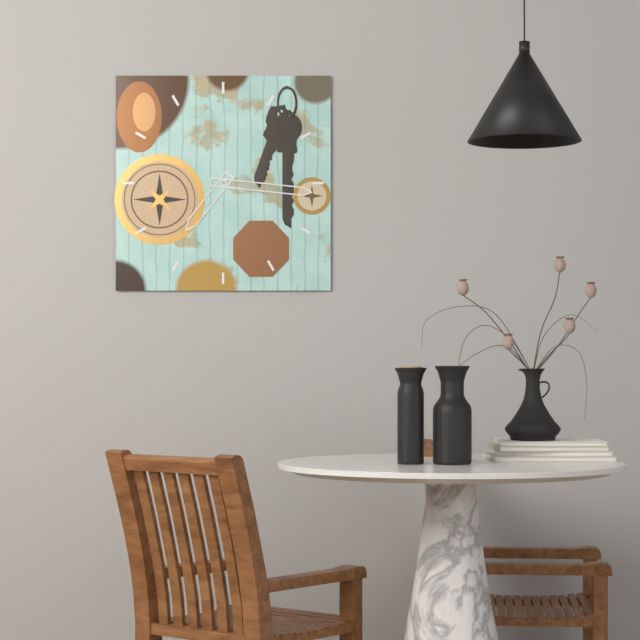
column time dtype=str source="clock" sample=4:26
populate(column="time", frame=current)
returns 7:16
